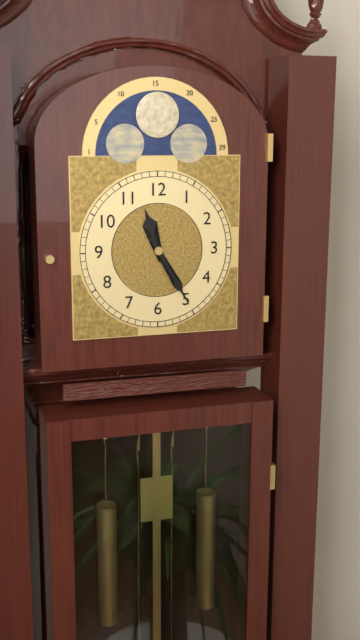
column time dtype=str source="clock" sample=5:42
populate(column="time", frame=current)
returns 11:25
